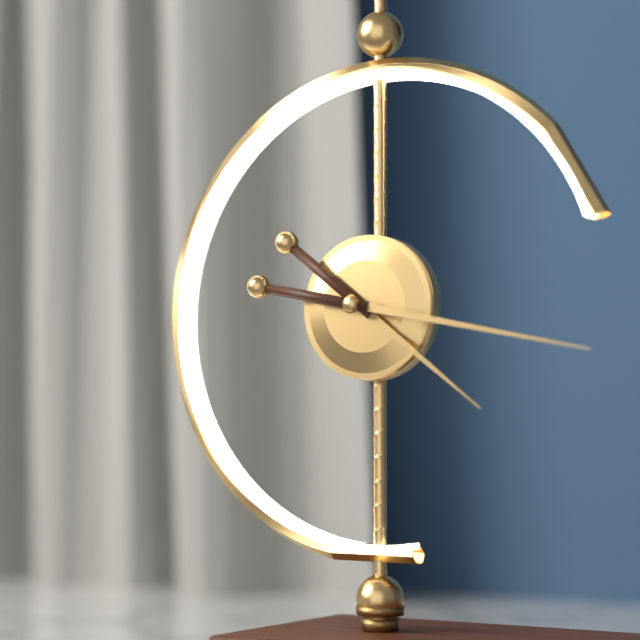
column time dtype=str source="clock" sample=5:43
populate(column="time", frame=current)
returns 4:17
